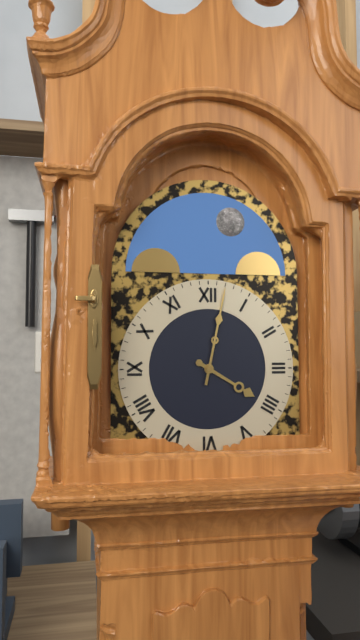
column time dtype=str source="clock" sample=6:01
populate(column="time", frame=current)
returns 4:02
